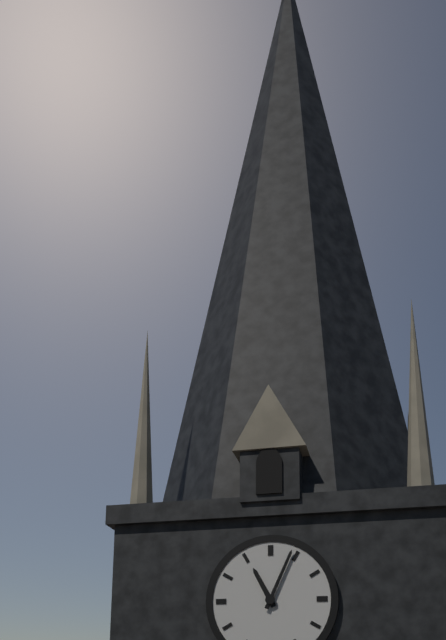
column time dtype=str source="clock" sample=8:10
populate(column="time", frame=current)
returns 11:04
